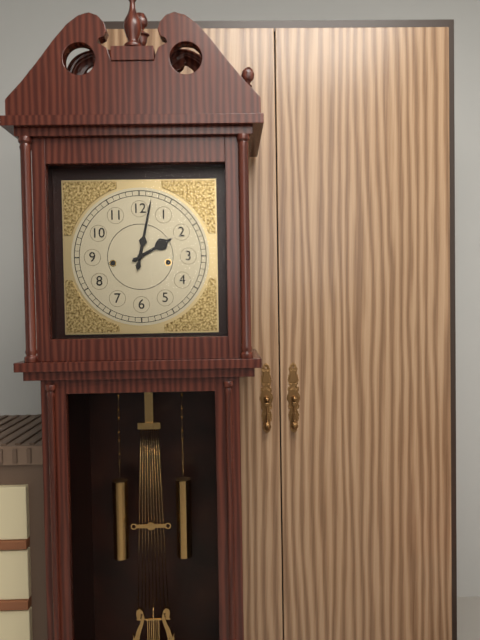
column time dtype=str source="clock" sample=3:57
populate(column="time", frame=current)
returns 2:02
